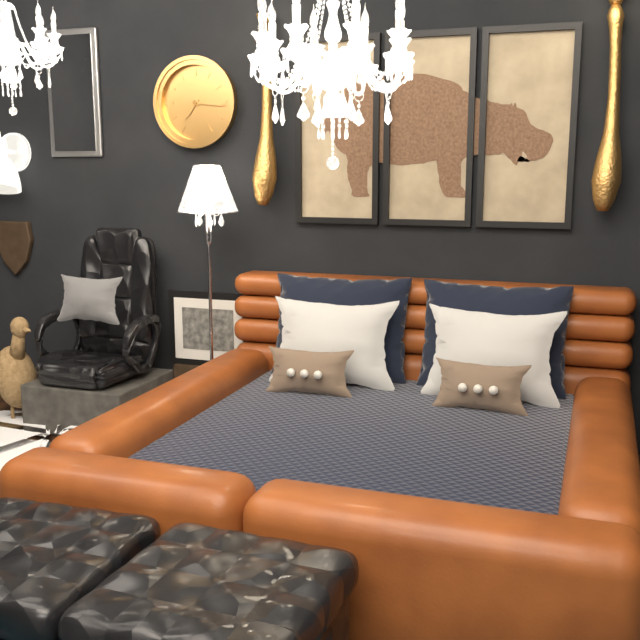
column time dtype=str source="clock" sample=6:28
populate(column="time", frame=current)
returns 7:16
